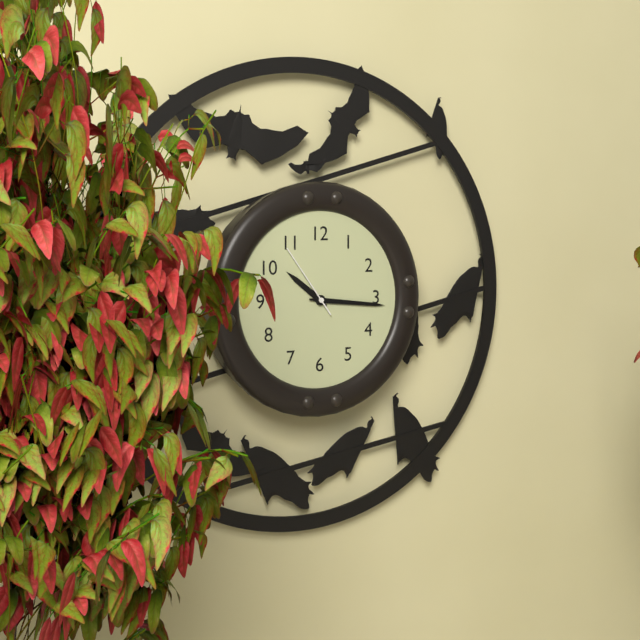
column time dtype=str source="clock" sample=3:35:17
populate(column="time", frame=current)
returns 10:16:54
